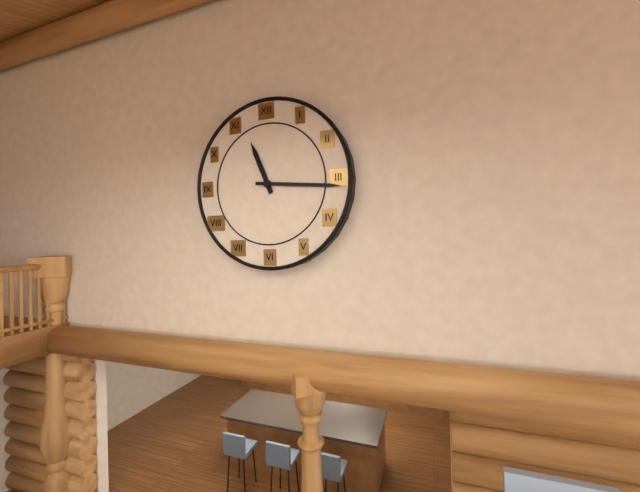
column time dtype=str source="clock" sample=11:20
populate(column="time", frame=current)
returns 11:16
